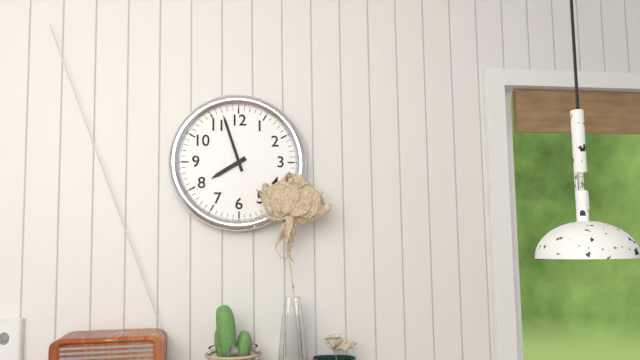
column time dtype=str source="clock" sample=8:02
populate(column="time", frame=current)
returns 7:57
